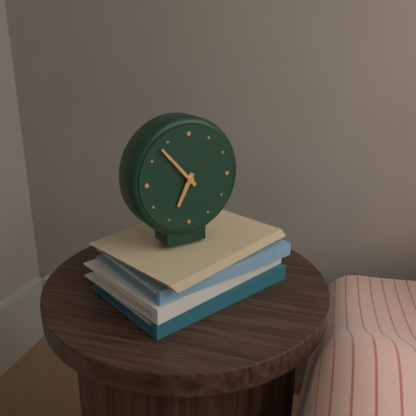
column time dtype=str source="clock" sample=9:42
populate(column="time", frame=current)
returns 6:53
